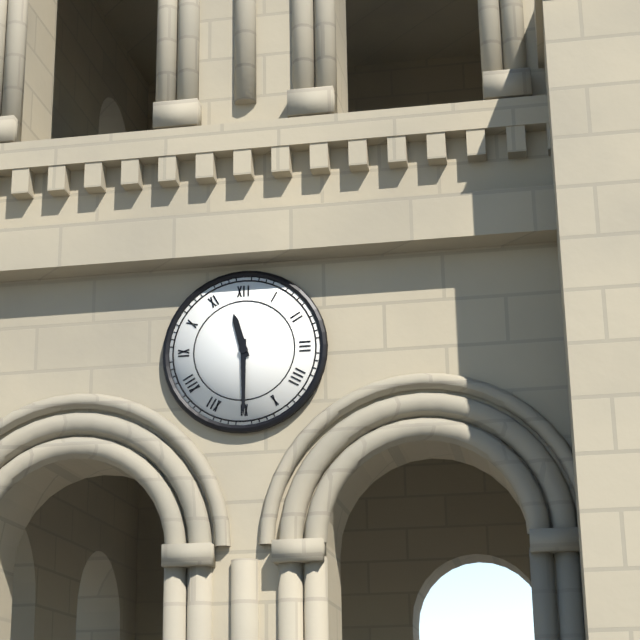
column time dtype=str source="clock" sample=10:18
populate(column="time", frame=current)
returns 11:30
